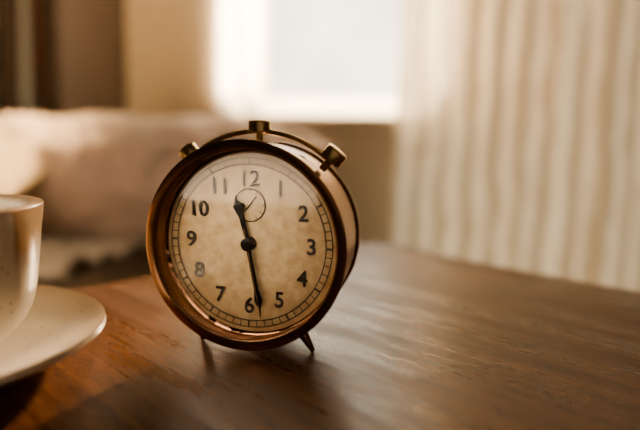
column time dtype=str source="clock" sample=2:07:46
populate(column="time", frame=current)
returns 11:28:28
